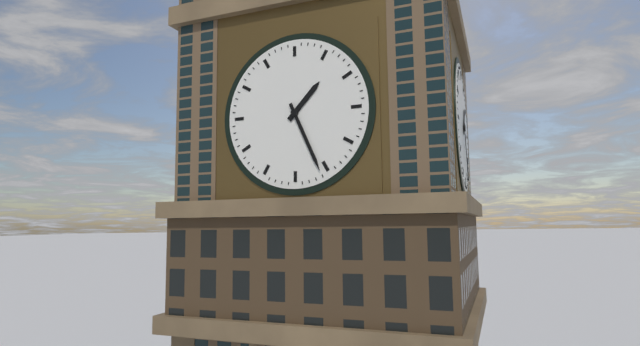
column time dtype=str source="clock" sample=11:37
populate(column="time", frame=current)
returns 1:26
